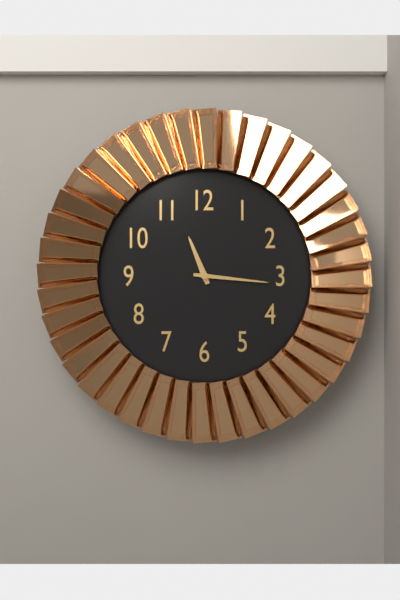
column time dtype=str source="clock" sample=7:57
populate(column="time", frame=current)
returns 11:16
